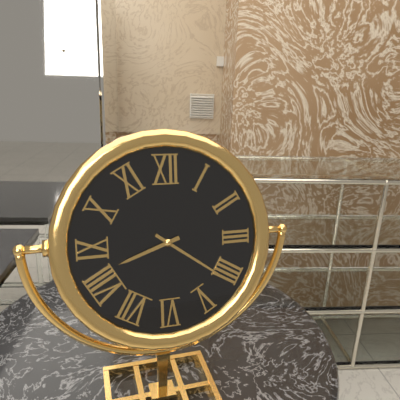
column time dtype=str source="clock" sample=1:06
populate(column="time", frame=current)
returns 8:21
